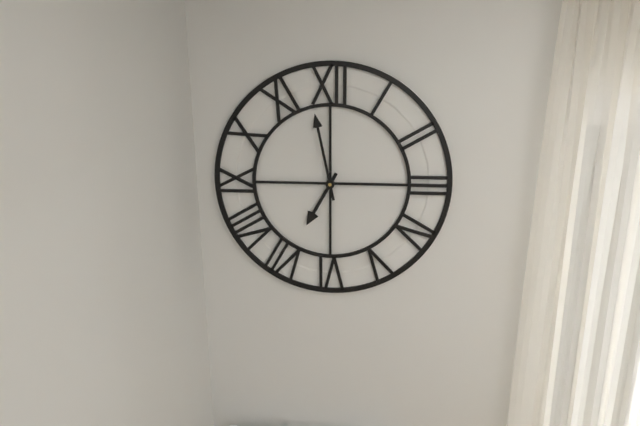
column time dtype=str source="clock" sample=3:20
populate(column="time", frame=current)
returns 6:58
